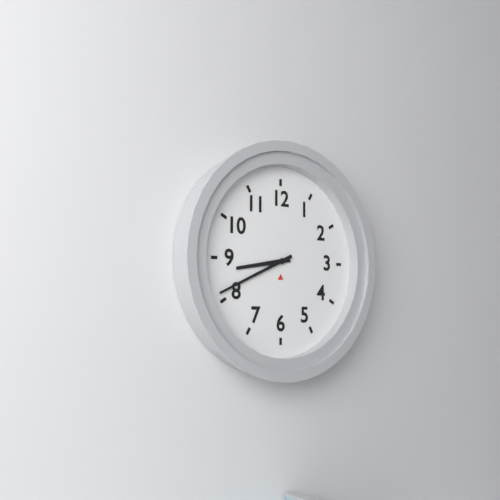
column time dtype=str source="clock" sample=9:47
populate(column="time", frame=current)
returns 8:41
